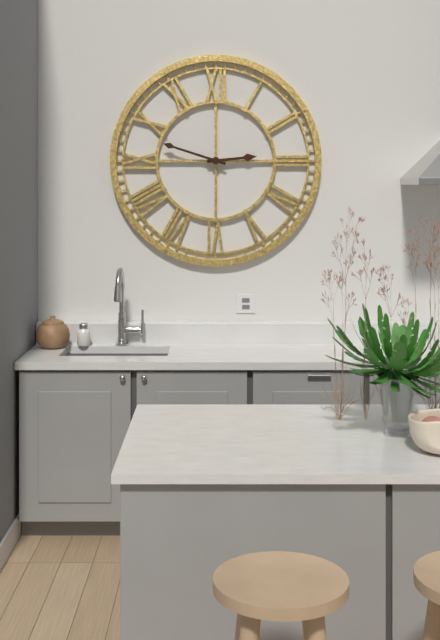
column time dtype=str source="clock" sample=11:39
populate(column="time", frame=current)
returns 2:48
